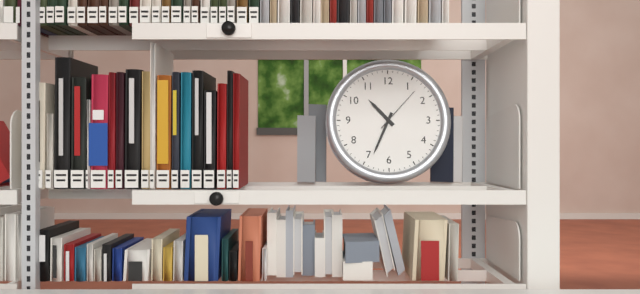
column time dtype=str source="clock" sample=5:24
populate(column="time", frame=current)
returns 10:34
